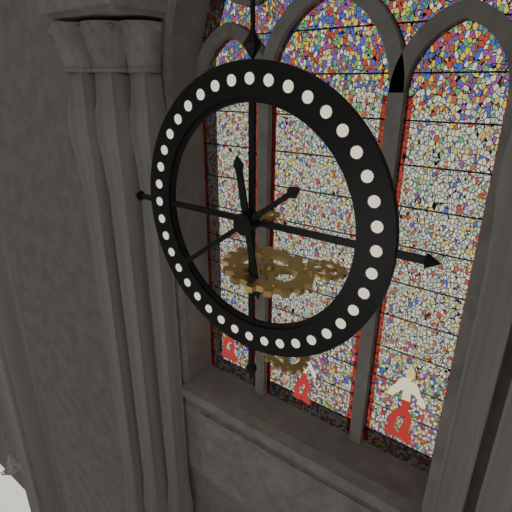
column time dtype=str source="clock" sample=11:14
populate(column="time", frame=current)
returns 5:39
